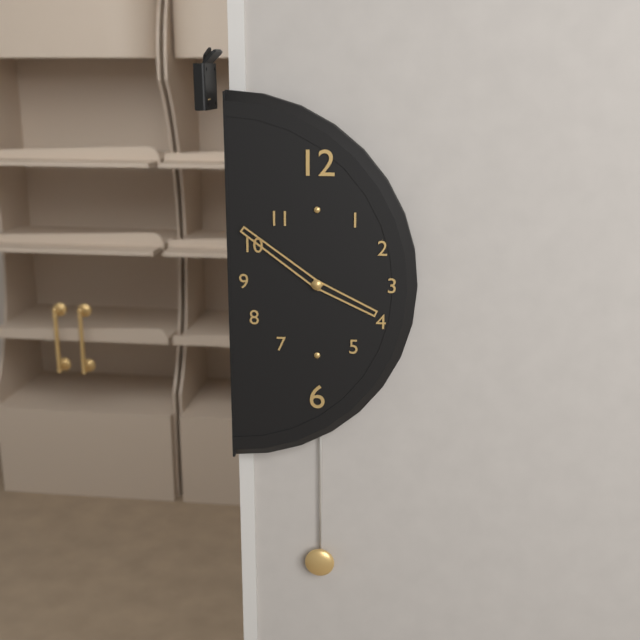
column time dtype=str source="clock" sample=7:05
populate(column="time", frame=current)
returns 3:51
